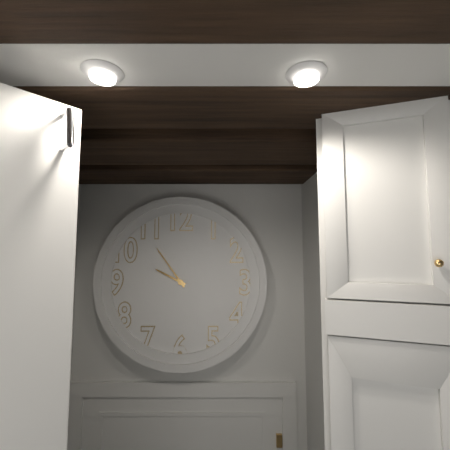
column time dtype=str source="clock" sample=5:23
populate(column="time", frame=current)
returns 9:54
